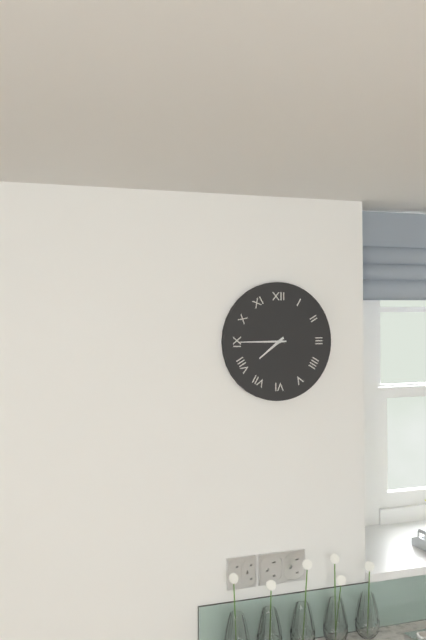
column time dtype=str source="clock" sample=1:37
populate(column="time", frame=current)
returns 7:45
